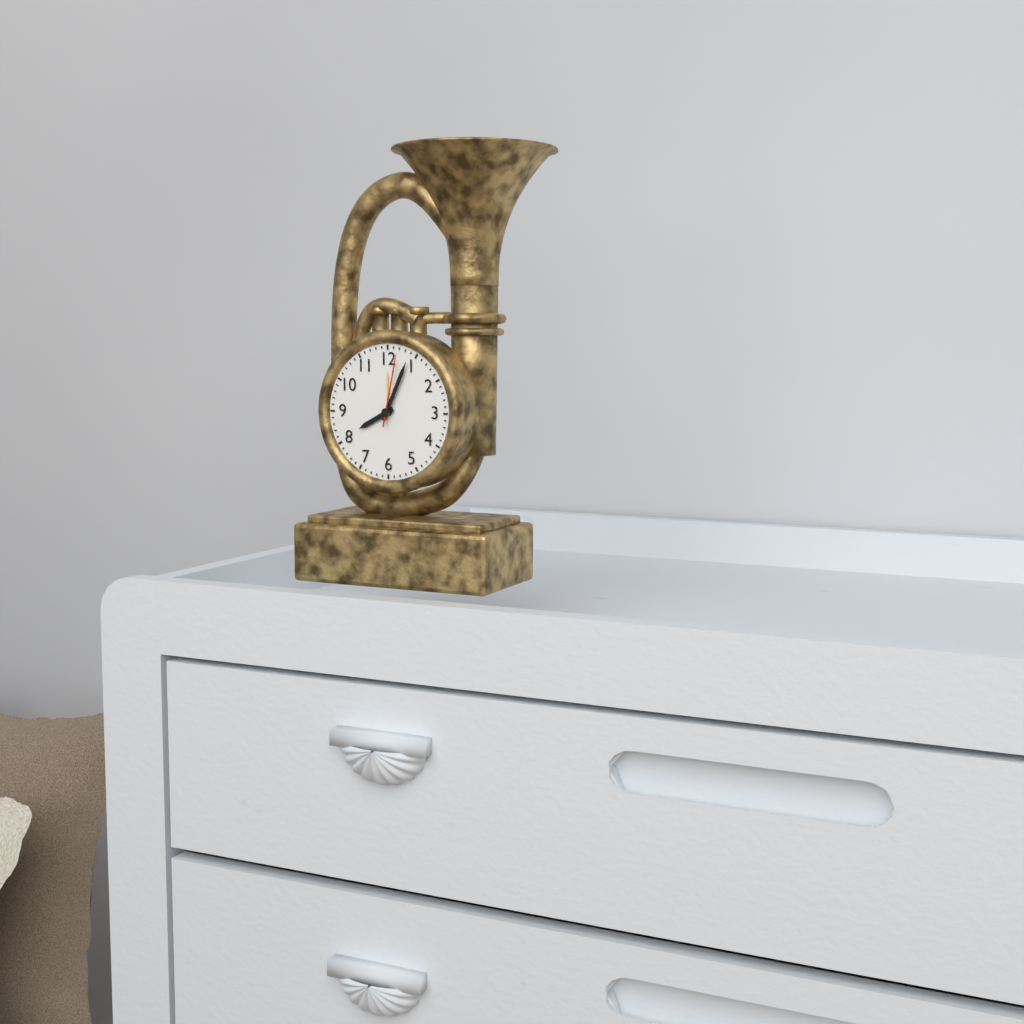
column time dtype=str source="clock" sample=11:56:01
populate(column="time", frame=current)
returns 8:04:02
